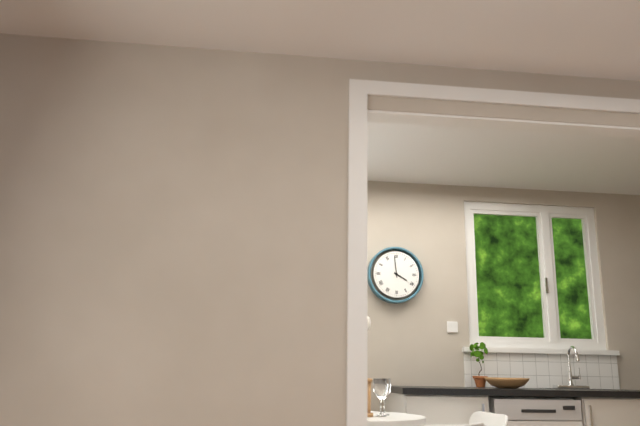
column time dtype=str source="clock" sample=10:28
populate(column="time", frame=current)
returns 3:59
